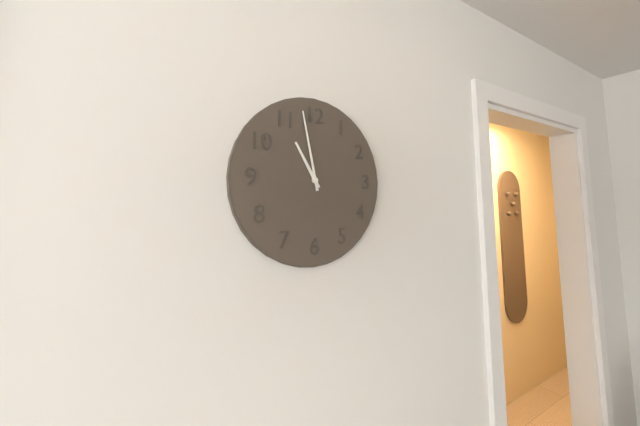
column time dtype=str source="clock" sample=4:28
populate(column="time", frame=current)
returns 10:58
